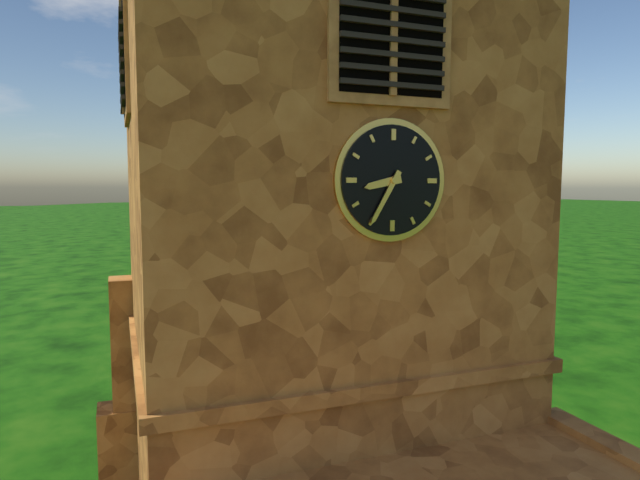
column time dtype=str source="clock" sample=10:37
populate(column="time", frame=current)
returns 8:35
